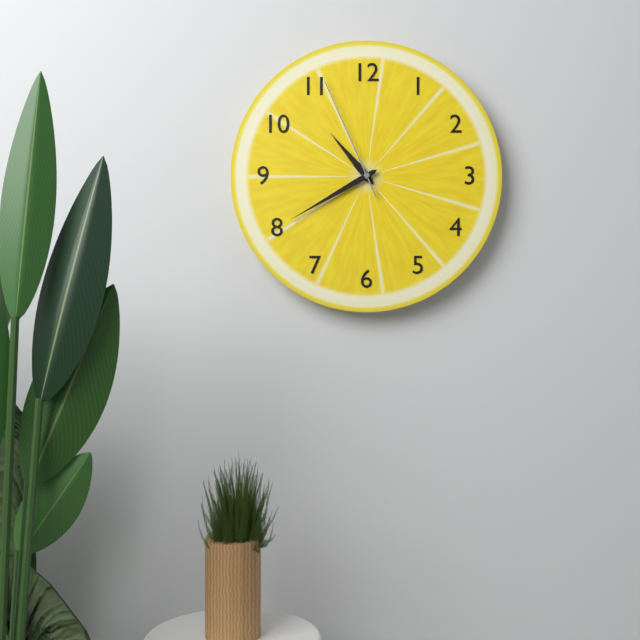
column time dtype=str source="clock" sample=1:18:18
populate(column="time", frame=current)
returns 10:40:56
